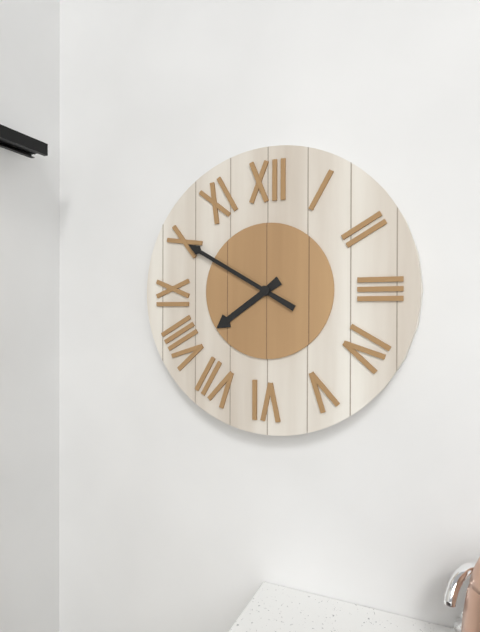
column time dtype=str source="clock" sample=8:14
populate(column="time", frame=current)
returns 7:50
